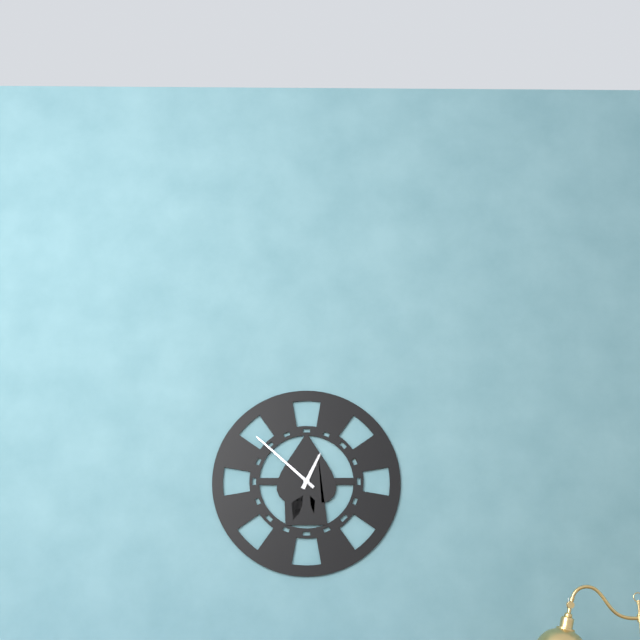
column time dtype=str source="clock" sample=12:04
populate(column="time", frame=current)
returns 12:52
